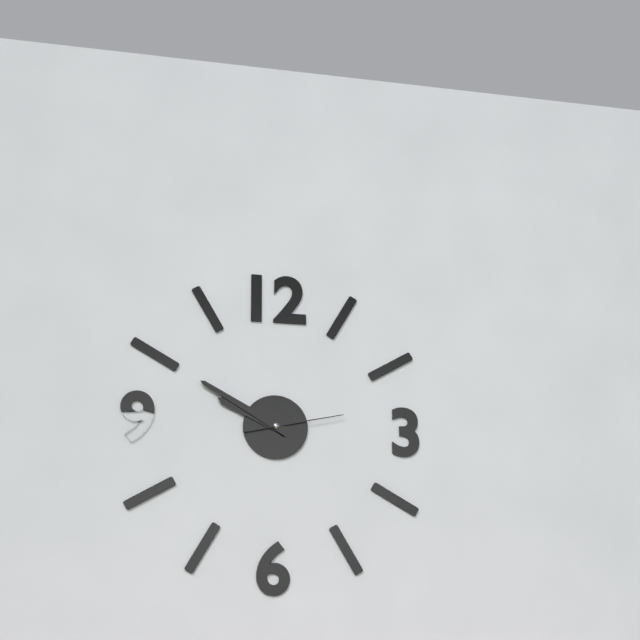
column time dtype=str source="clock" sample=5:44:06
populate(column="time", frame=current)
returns 9:50:13
